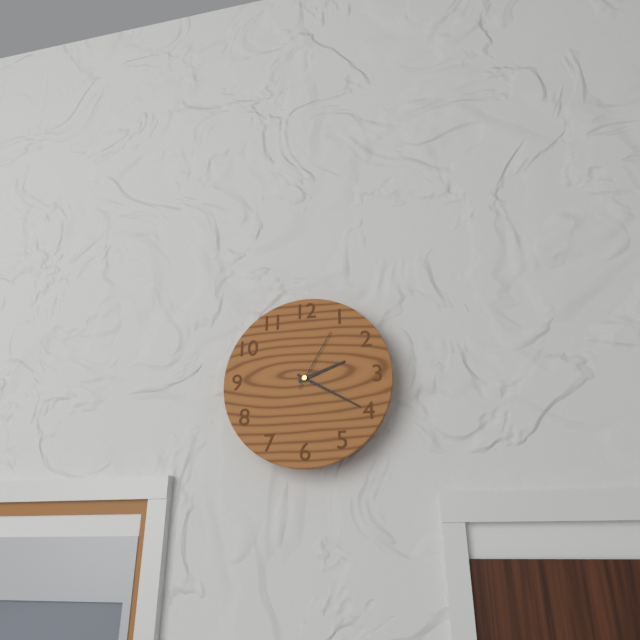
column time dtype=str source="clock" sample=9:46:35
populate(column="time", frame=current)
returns 2:20:05
